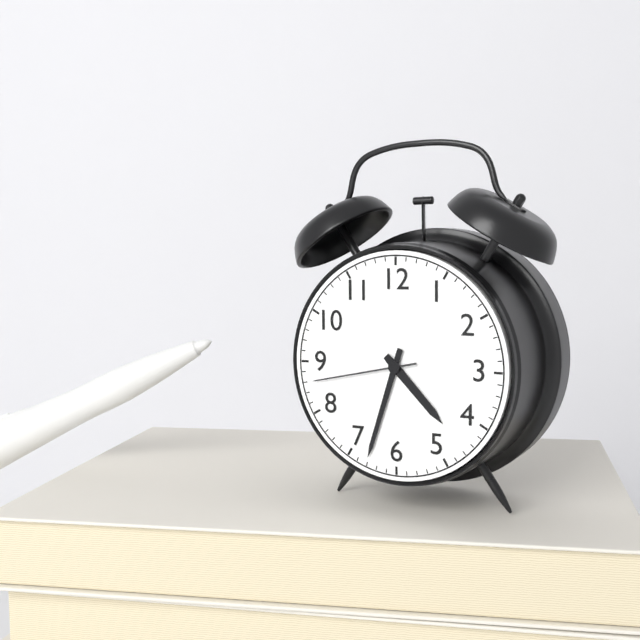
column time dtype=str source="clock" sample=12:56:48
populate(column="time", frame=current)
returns 4:33:43
